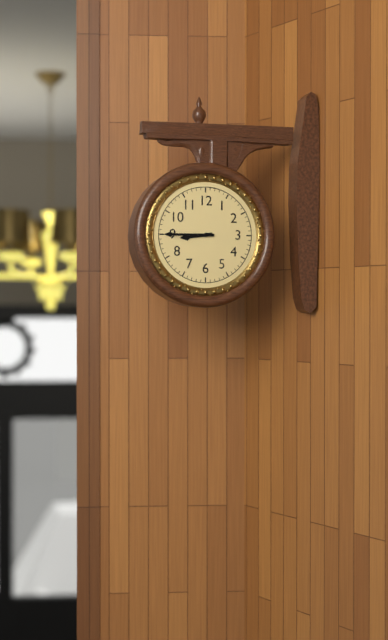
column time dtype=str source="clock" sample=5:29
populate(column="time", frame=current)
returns 8:45
